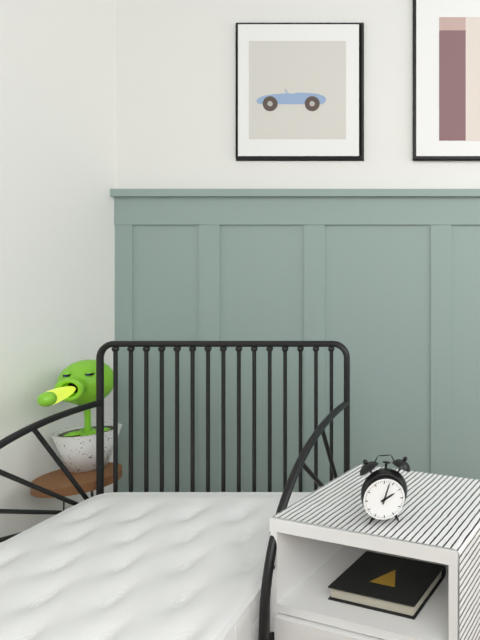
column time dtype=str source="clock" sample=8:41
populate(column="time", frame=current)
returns 2:03
